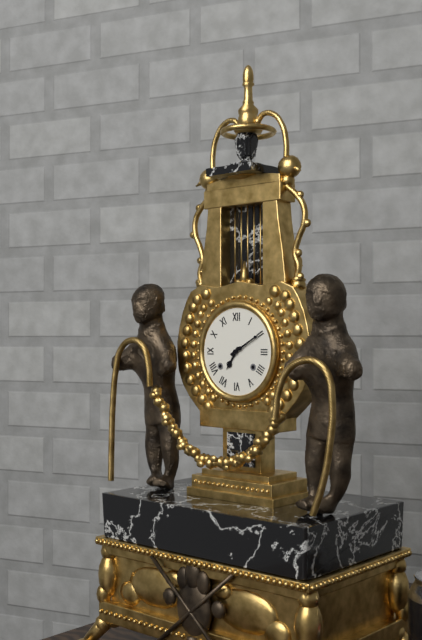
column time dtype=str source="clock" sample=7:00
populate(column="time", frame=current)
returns 7:10
